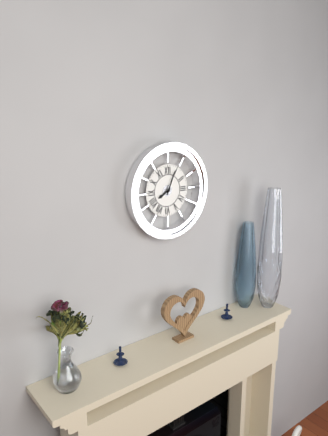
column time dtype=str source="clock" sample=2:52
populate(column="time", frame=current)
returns 8:04
